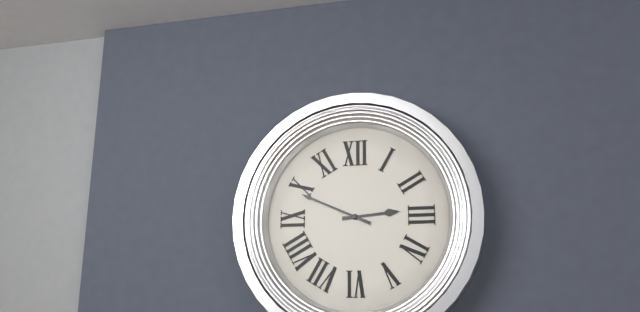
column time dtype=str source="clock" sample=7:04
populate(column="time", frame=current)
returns 2:49
